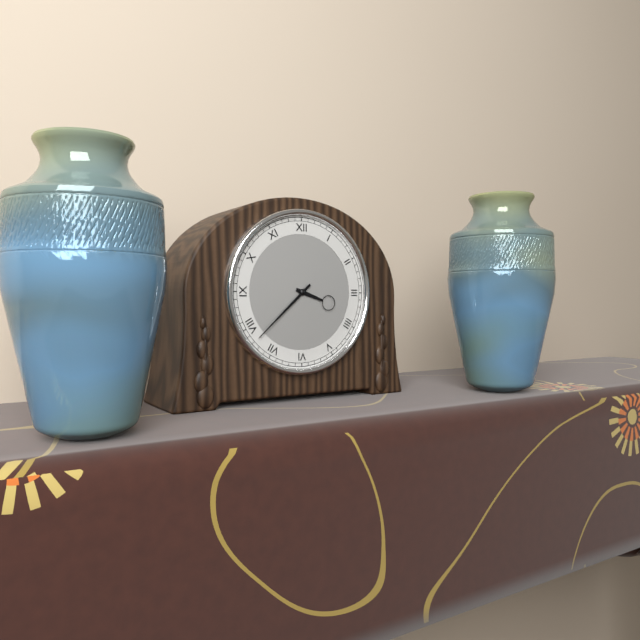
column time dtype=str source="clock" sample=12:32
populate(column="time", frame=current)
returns 3:38
